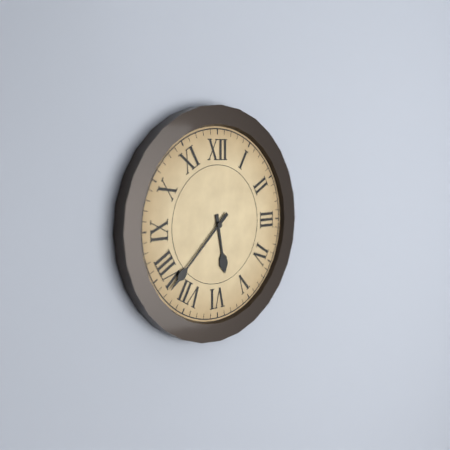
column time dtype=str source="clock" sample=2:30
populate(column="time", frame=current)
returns 5:38
